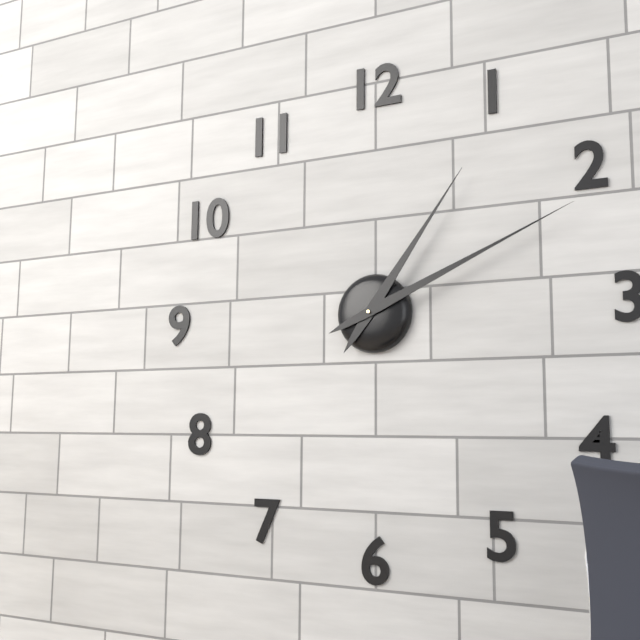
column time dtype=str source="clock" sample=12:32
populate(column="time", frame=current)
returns 1:11
